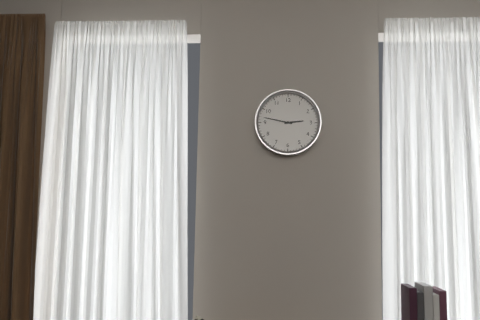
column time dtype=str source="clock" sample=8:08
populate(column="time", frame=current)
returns 2:47
